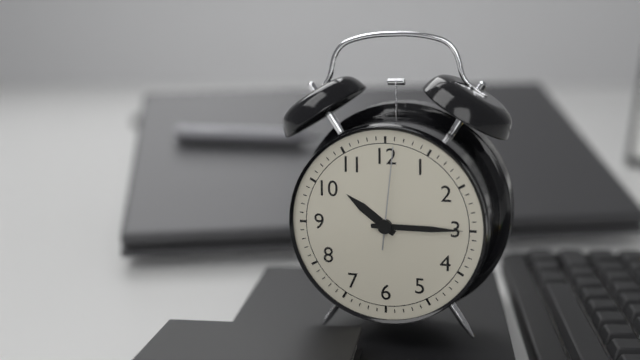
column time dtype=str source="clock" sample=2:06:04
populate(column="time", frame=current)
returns 10:15:01
